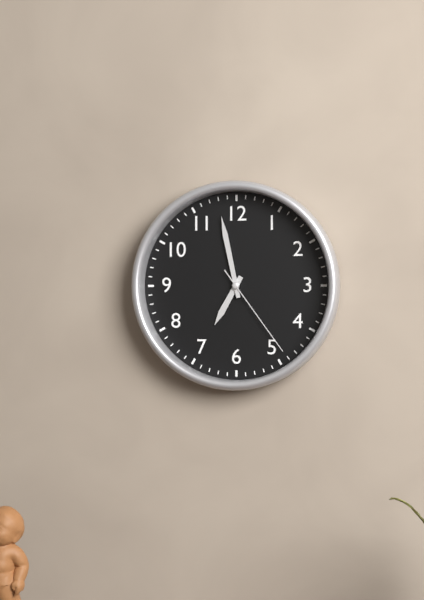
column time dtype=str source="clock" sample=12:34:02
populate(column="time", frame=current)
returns 6:58:24
